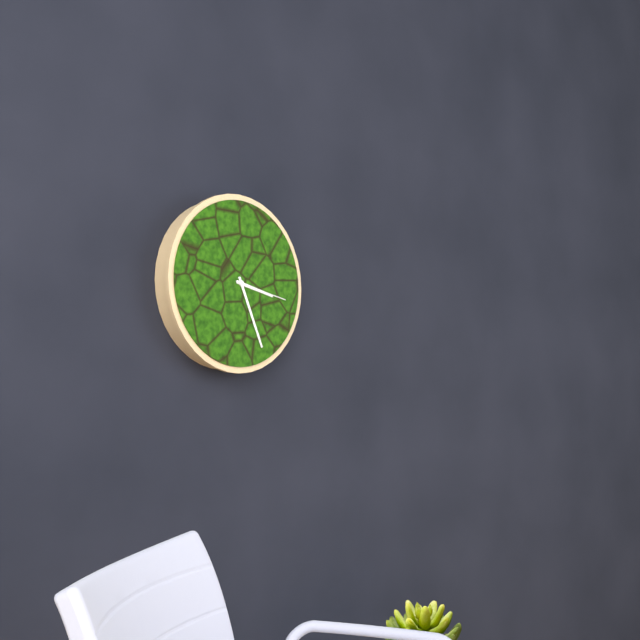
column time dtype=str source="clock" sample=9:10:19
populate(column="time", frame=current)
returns 3:26:17
